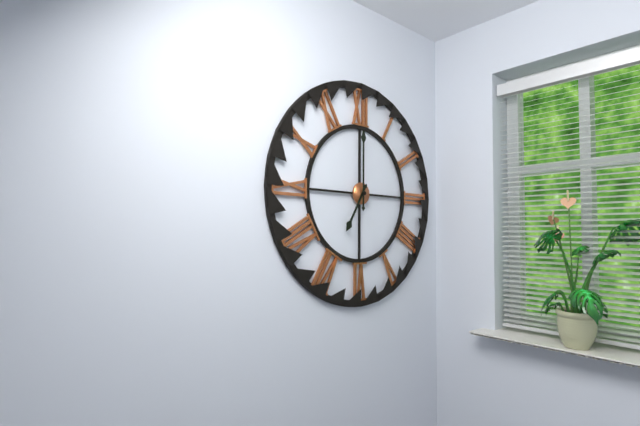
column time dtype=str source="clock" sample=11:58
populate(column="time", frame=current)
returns 7:00
